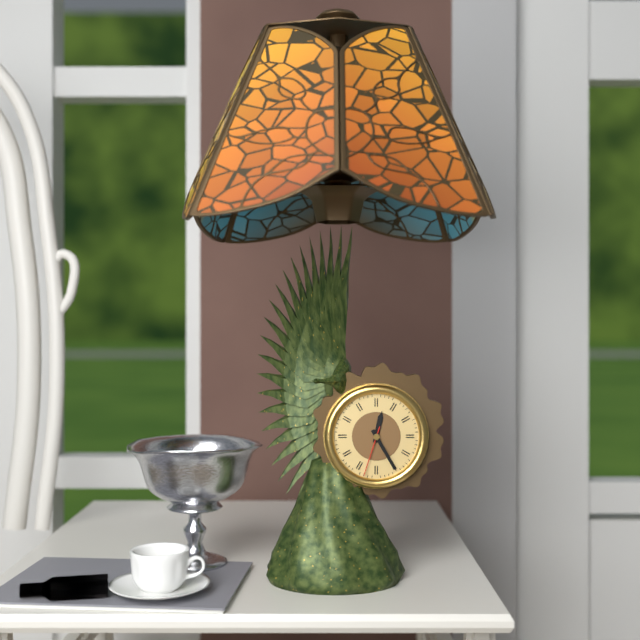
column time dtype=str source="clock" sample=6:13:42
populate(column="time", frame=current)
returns 12:25:33
